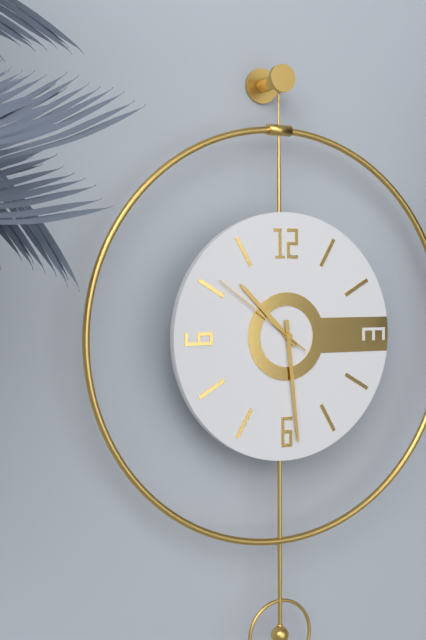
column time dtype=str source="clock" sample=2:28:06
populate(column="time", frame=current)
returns 10:29:51
